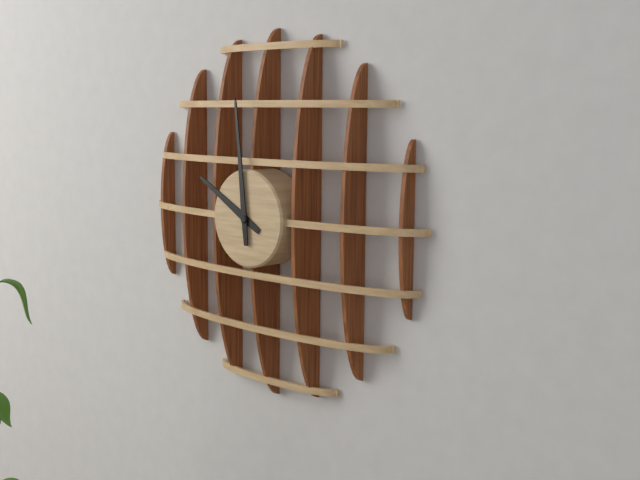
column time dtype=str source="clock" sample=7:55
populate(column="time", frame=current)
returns 9:59
